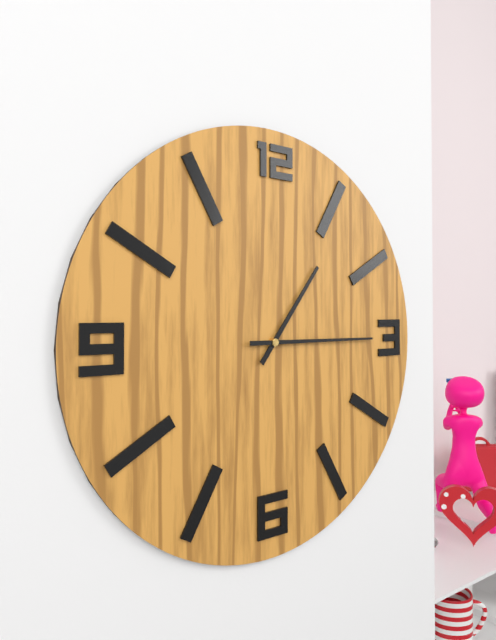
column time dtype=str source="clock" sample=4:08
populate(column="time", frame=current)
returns 1:15
